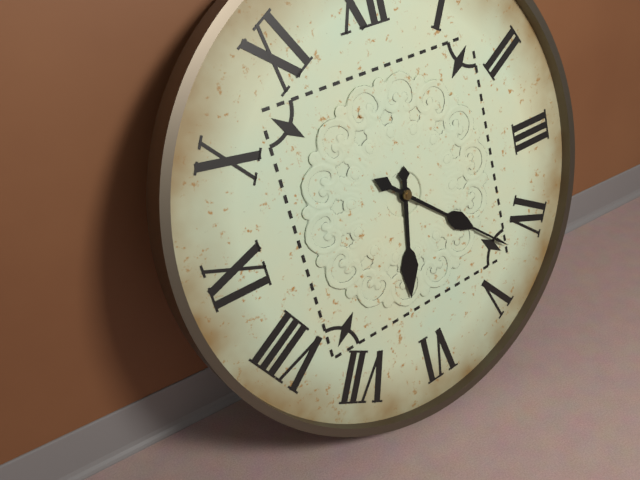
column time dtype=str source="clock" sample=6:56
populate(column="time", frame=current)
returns 6:22
